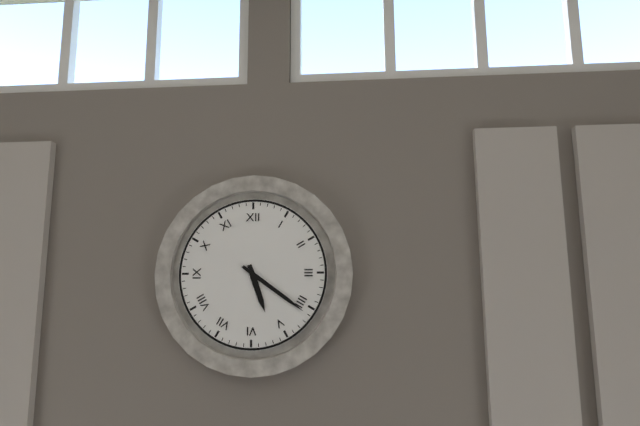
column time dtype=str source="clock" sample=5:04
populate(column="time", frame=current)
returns 5:21
